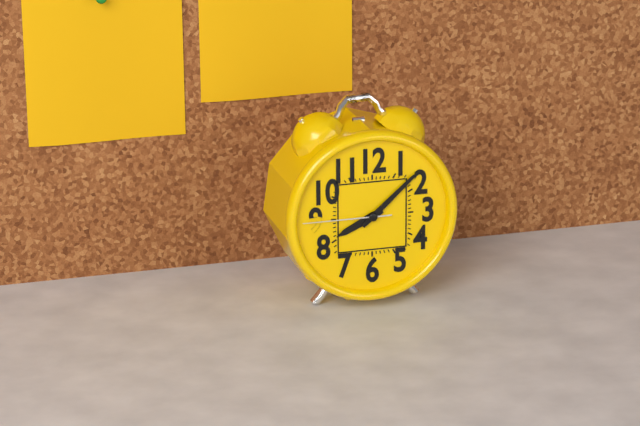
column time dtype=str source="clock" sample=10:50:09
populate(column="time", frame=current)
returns 8:08:45
